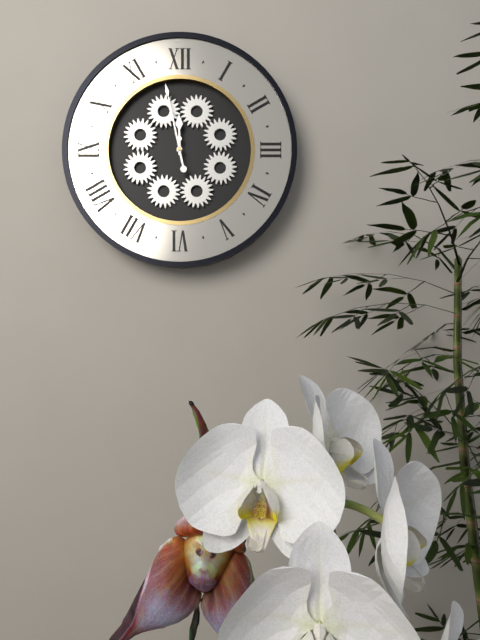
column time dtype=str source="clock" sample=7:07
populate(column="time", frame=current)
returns 11:58
